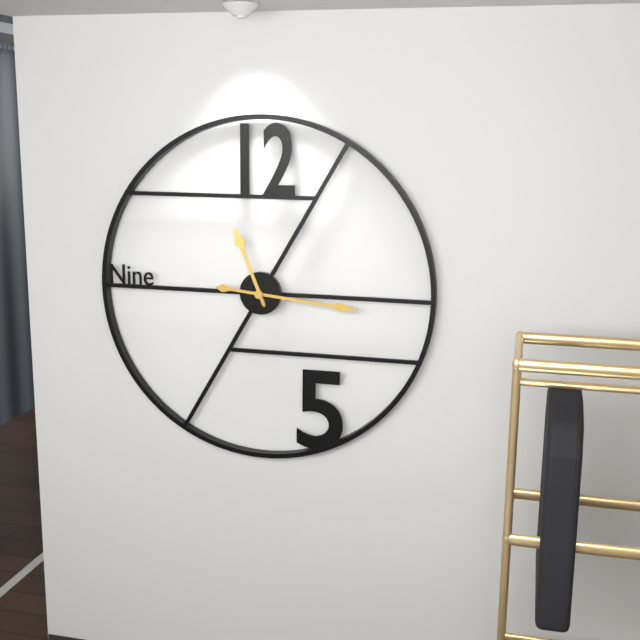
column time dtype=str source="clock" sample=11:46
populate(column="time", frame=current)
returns 11:16
